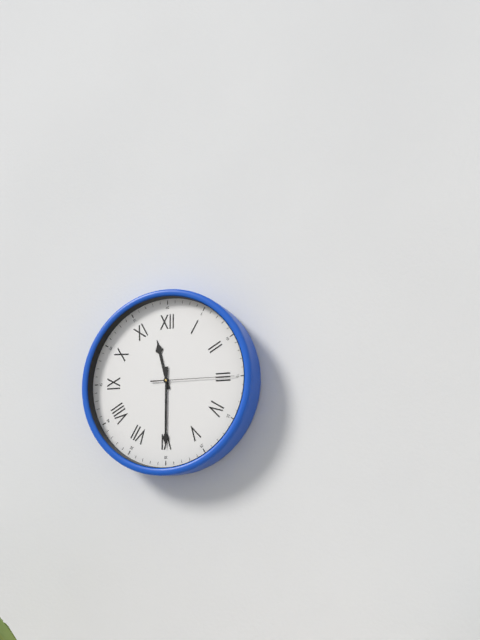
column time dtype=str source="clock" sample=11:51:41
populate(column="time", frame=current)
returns 11:30:15
